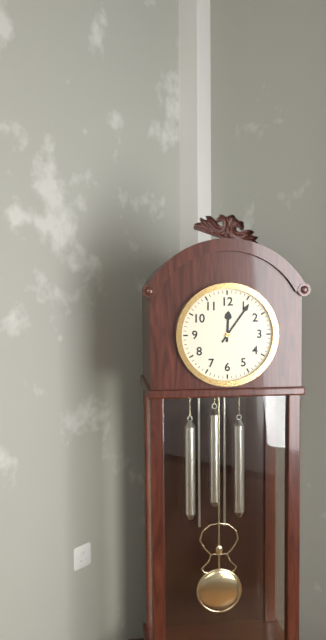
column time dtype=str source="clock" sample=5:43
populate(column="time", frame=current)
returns 12:06
